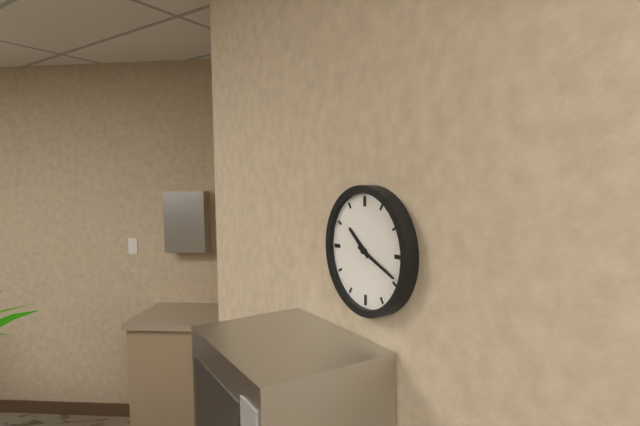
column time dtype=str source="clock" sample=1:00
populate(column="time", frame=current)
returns 10:19
